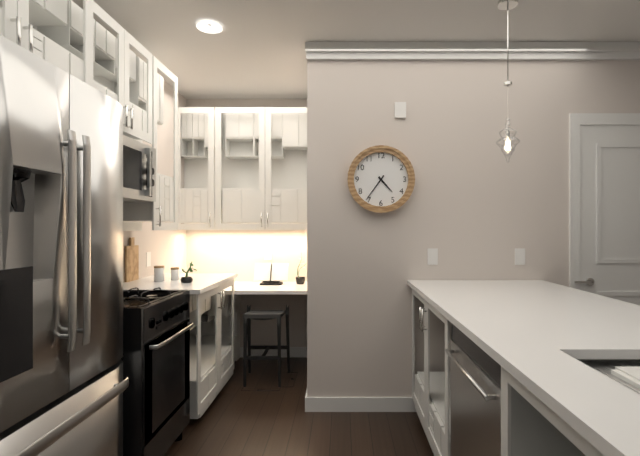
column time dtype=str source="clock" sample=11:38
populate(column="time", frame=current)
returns 4:36
